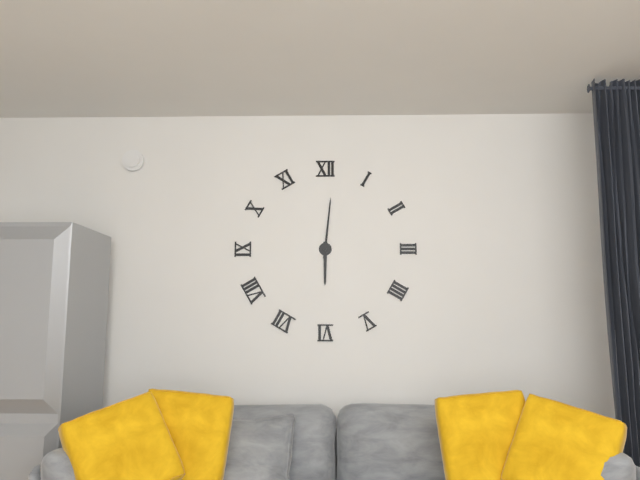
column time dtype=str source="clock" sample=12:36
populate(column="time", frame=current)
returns 6:01
